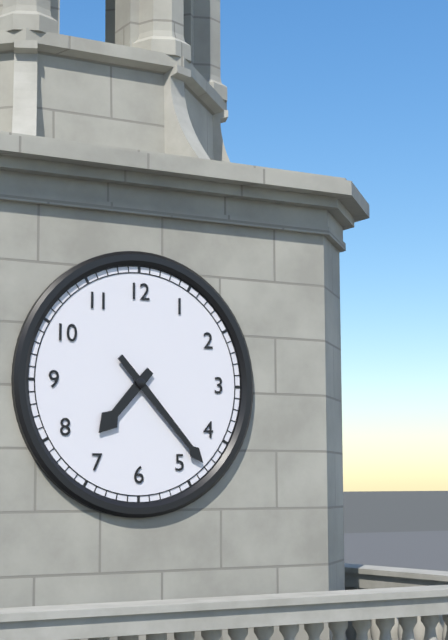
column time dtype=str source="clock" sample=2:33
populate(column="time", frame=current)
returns 7:23
